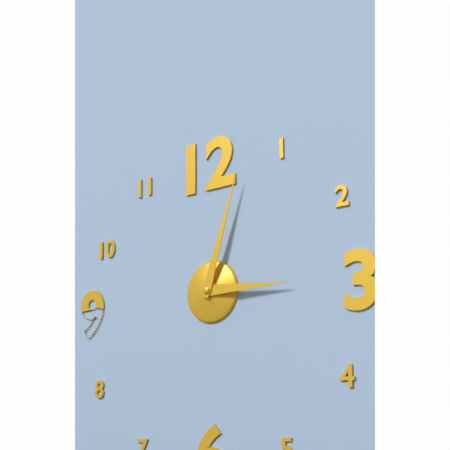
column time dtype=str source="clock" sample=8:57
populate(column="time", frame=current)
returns 3:03
